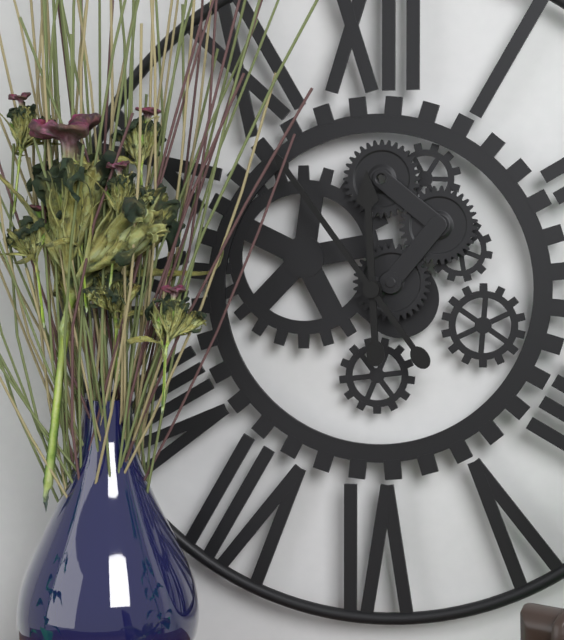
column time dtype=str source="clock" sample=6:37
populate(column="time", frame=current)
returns 11:54
